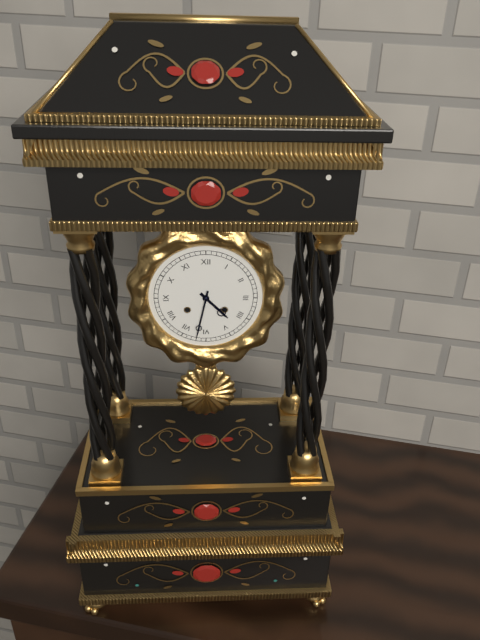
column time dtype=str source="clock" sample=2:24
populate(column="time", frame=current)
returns 4:32
